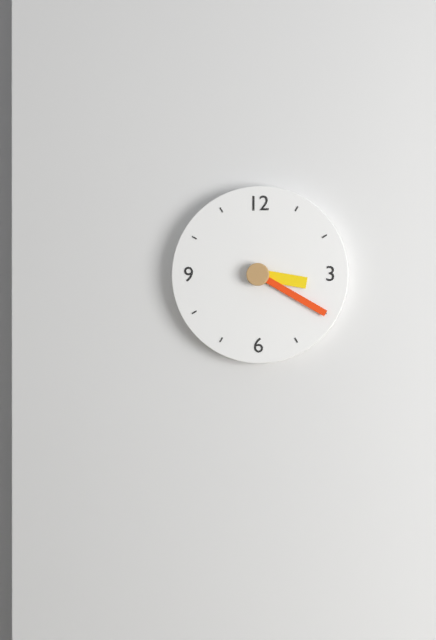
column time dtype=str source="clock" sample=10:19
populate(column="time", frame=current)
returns 3:20
